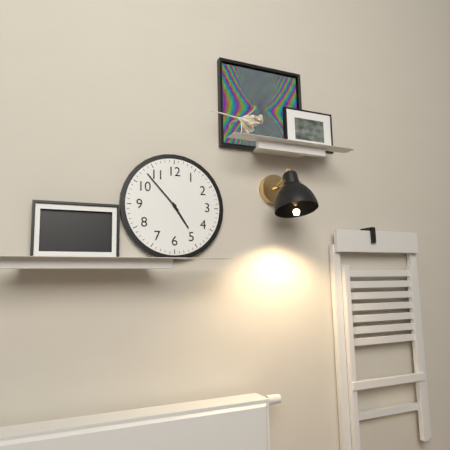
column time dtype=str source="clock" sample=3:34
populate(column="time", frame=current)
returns 4:53
